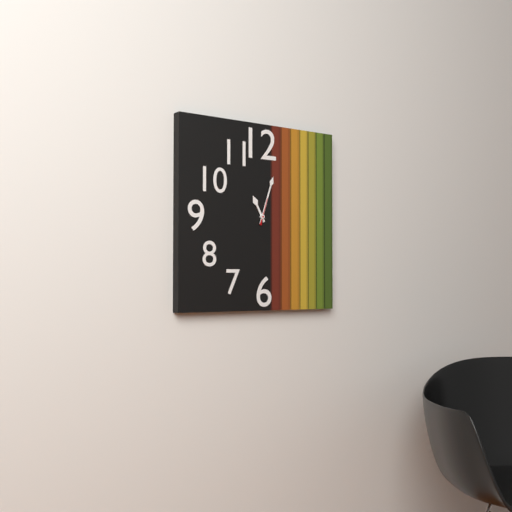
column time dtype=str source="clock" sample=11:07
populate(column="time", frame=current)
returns 11:03
